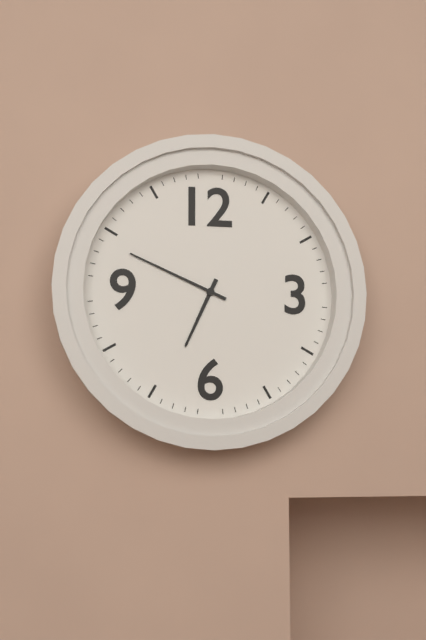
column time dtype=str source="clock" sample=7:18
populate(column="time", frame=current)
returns 6:49
